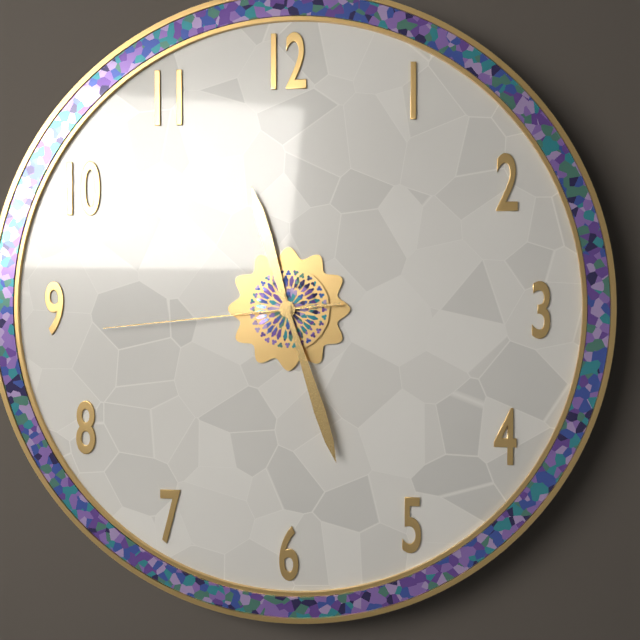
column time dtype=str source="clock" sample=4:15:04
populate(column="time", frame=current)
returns 11:27:44
